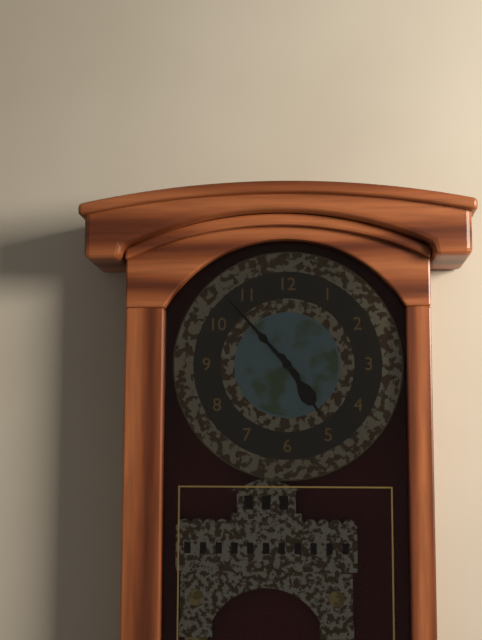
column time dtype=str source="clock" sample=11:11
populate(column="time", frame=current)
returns 4:53
